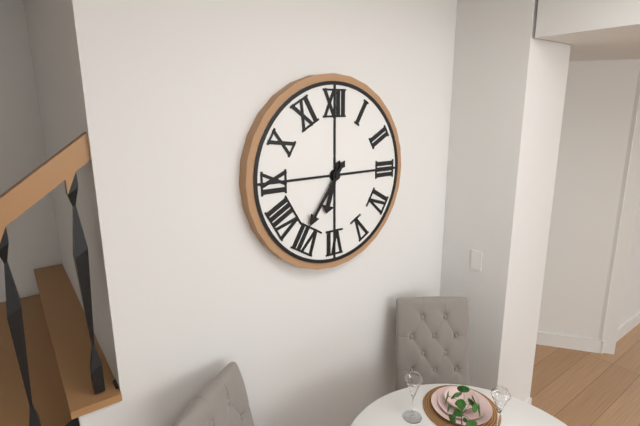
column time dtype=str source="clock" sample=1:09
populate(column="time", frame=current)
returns 6:36
